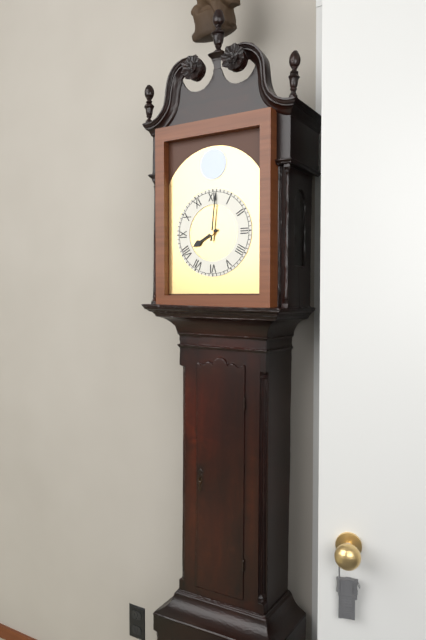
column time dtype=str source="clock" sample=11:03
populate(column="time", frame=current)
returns 8:01
